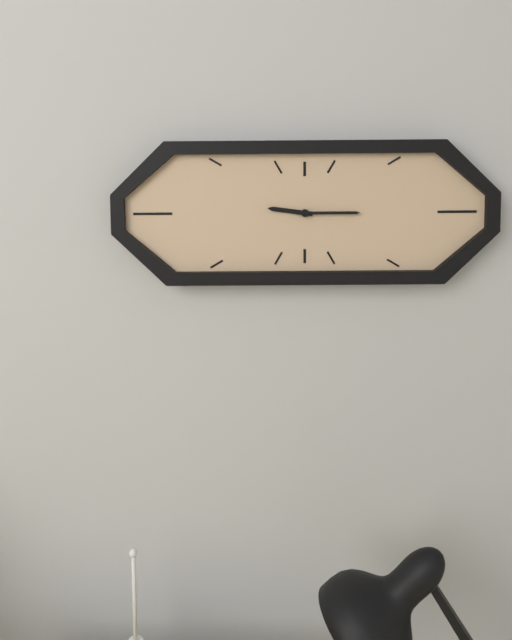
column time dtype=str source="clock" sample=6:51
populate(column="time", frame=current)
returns 9:15
